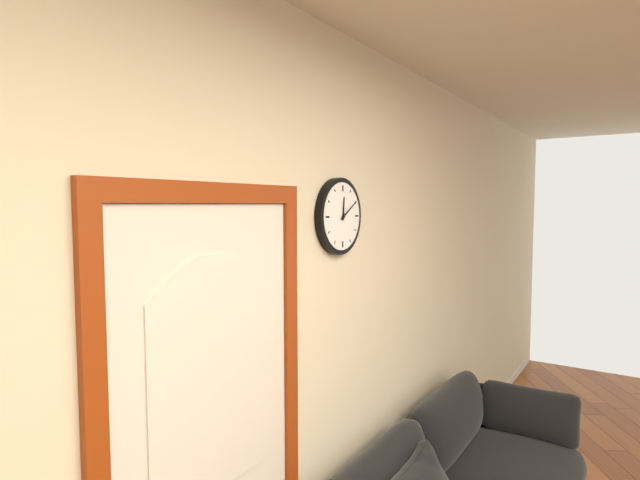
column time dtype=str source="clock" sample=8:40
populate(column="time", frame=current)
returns 12:10
